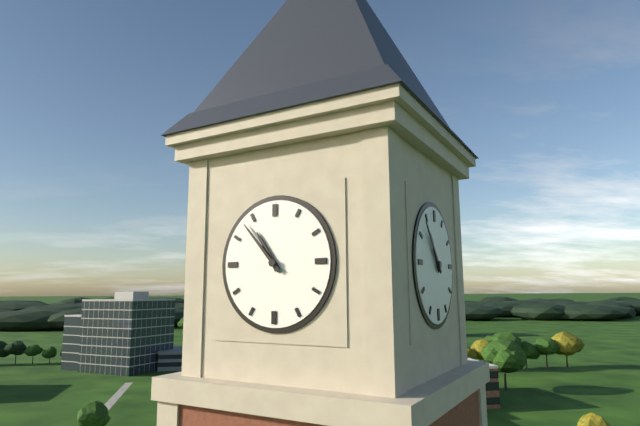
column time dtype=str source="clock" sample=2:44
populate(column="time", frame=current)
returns 10:53
